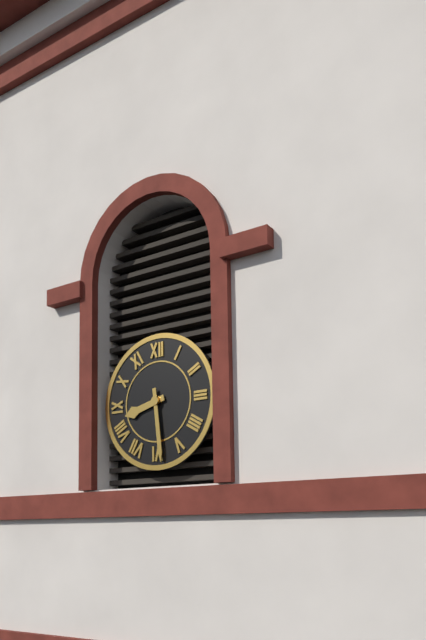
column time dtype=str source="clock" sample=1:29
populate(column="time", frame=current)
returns 8:29
